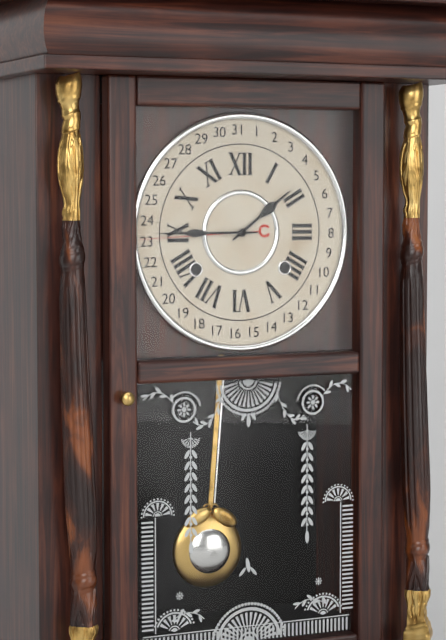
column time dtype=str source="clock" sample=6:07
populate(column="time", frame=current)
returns 1:45
